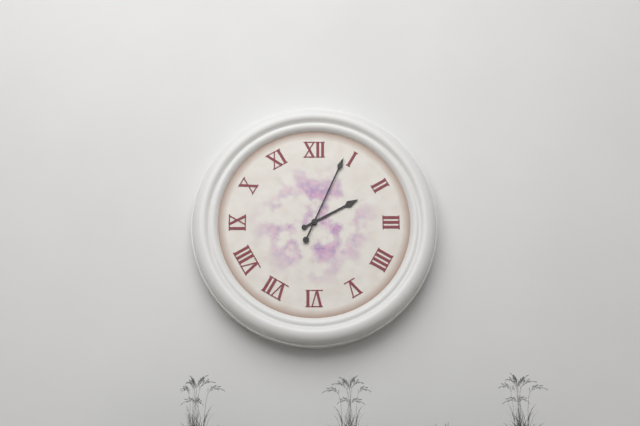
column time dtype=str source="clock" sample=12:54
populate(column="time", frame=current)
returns 2:04
